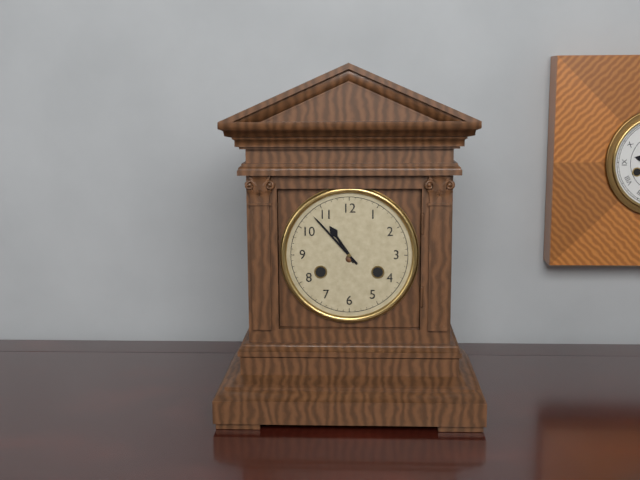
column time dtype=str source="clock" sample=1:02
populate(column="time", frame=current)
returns 10:53
